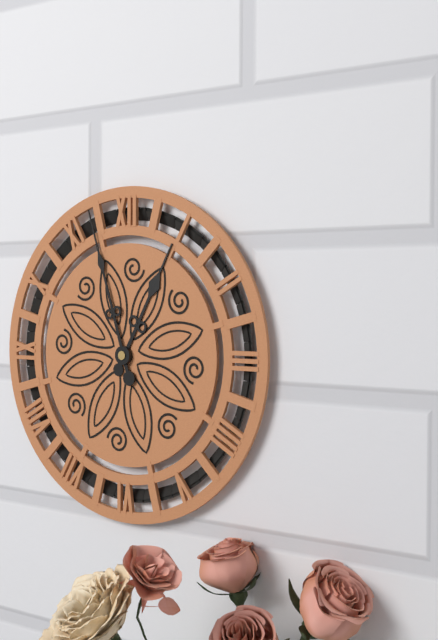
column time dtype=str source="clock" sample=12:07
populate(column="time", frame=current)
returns 12:57
